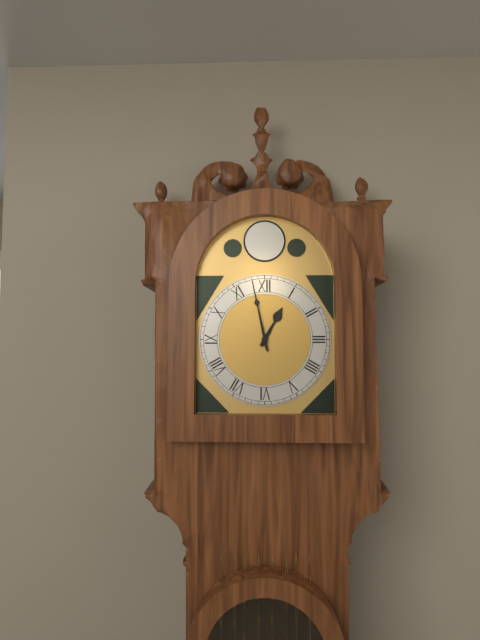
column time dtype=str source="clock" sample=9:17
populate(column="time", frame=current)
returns 12:58
